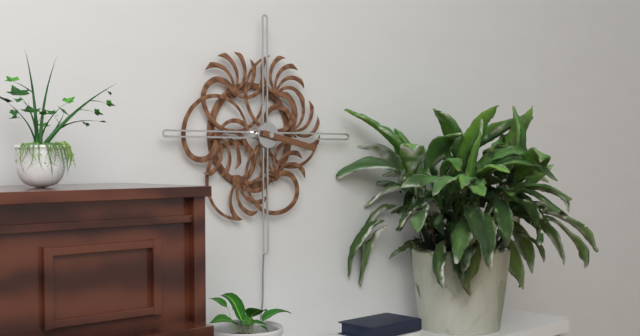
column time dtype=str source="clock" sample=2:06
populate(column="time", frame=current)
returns 3:17
